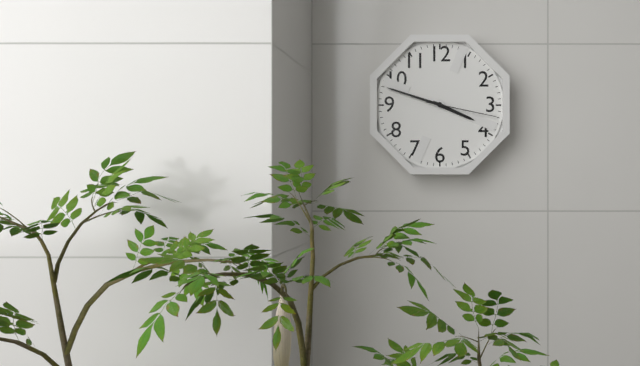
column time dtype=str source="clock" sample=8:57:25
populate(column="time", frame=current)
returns 3:48:17
